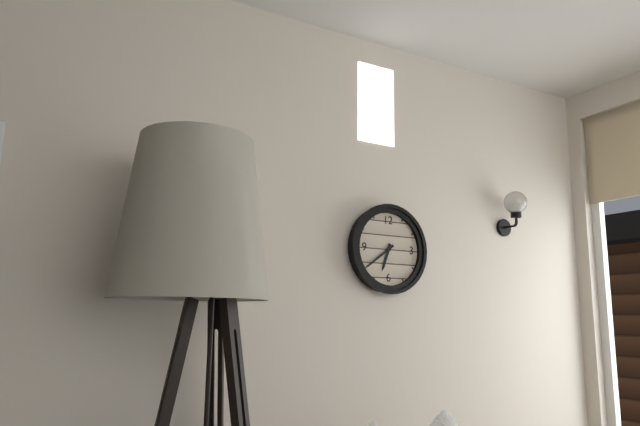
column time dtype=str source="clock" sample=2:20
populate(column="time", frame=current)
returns 6:39
